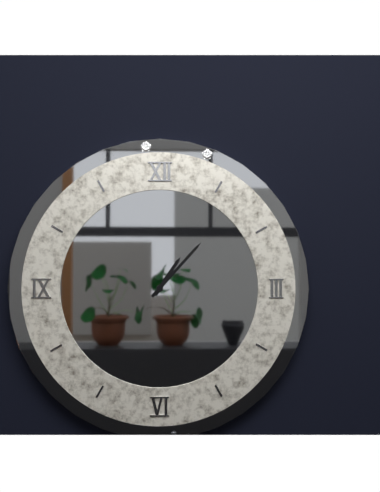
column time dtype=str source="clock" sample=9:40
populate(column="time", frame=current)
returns 1:07
